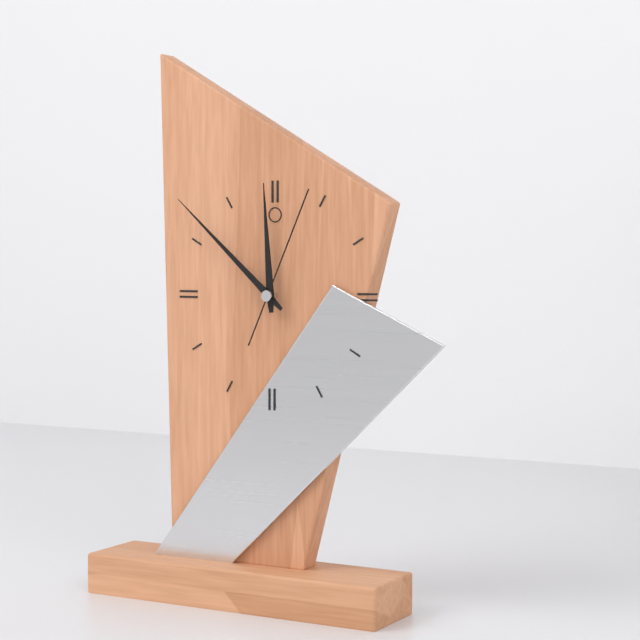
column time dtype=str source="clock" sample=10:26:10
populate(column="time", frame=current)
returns 11:52:04
